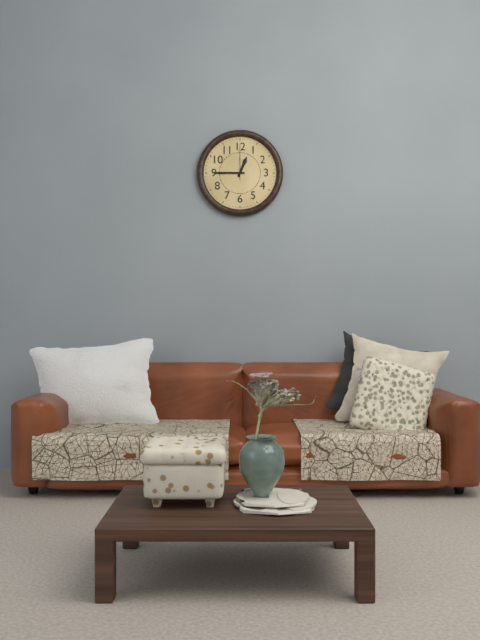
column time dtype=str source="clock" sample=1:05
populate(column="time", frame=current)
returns 12:45
